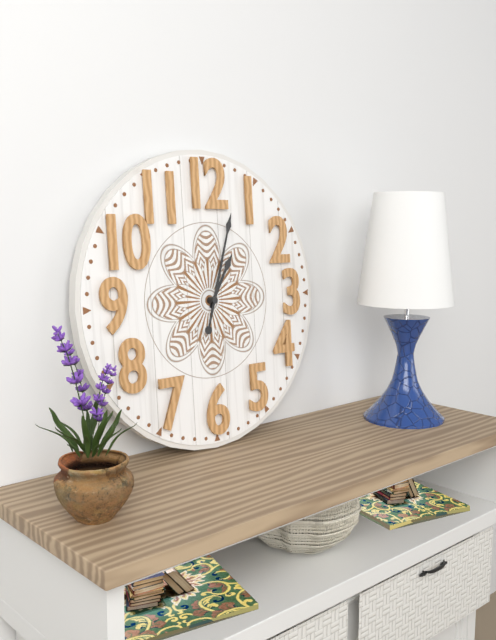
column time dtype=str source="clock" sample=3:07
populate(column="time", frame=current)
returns 1:03
